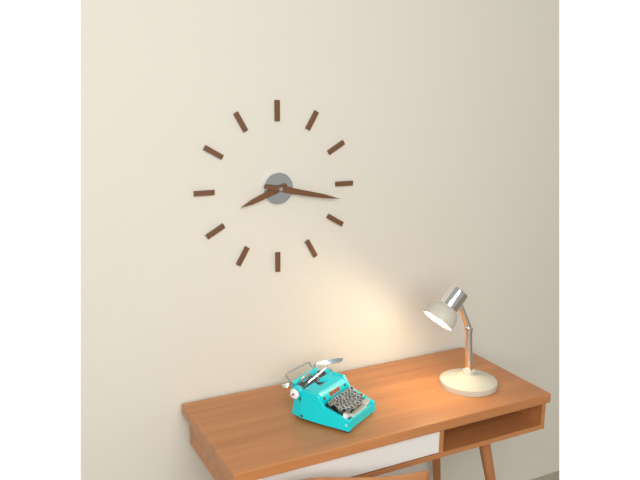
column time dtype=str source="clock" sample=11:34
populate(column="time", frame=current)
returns 8:17
